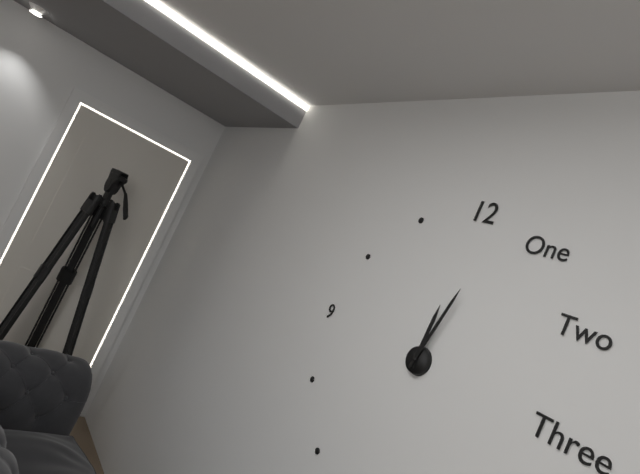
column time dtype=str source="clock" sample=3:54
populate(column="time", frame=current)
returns 12:02
